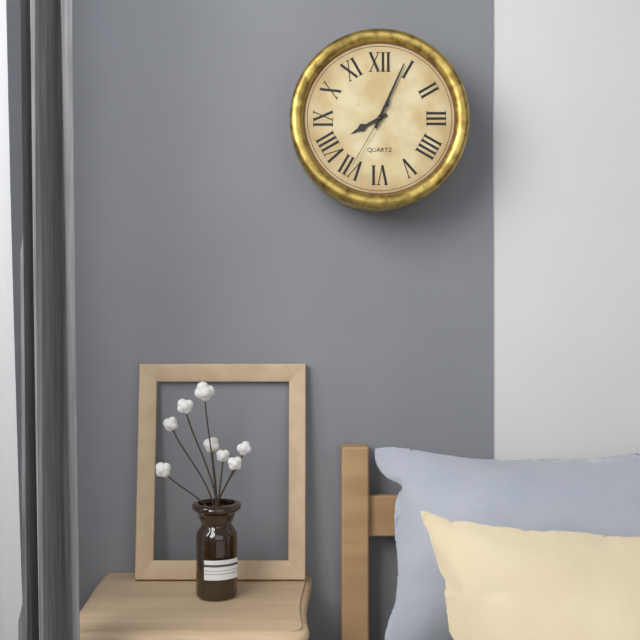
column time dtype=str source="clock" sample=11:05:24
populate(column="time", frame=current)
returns 8:04:35
